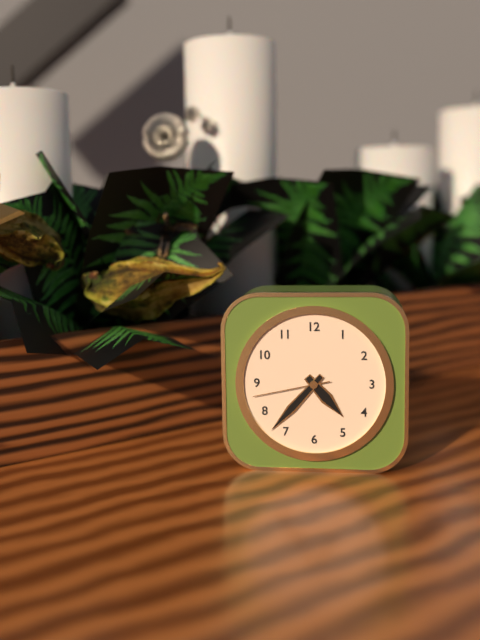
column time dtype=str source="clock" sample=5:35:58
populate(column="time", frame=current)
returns 4:37:43
